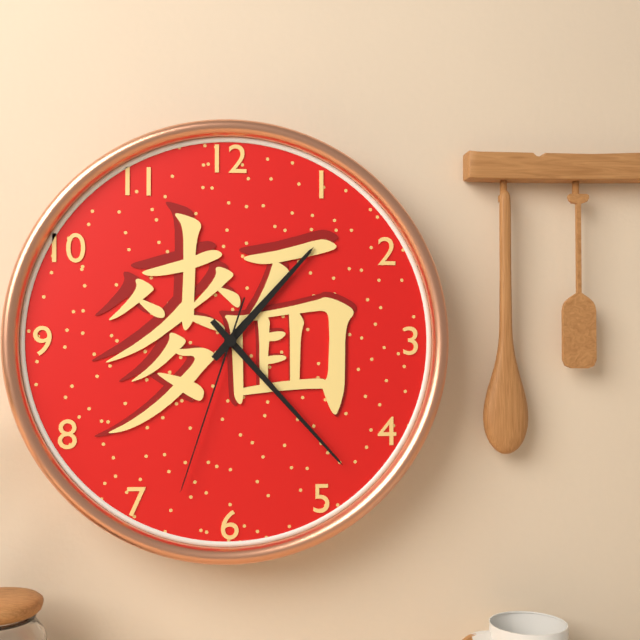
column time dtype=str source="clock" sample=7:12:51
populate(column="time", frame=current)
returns 1:23:33
